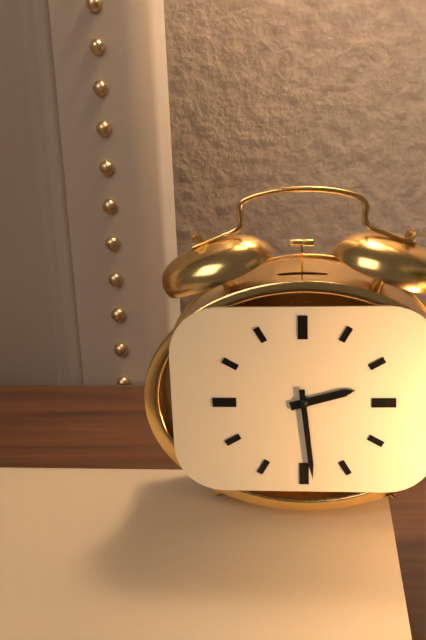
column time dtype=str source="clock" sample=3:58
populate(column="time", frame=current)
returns 2:29
